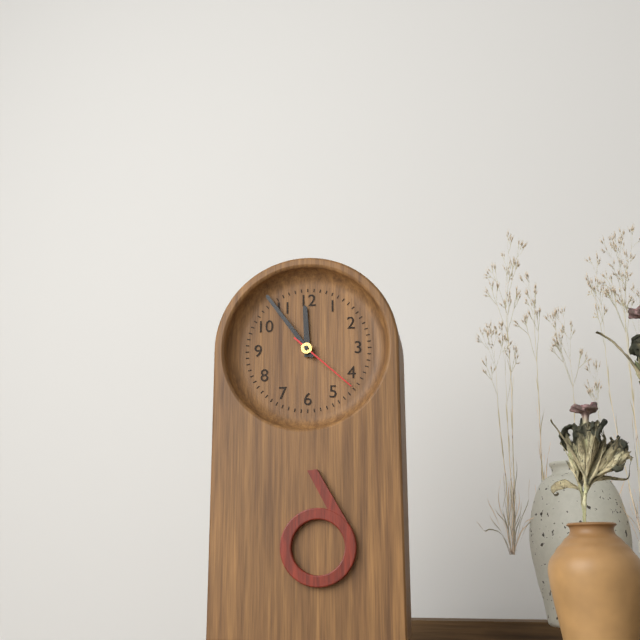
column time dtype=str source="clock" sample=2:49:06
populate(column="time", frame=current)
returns 11:54:22
